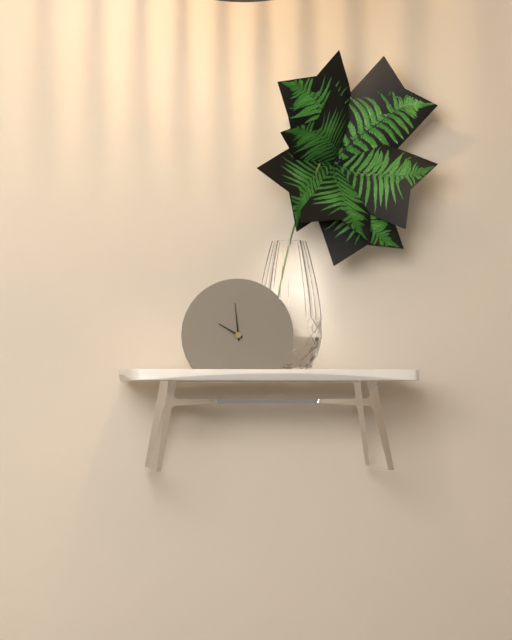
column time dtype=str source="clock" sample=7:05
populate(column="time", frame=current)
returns 9:59
